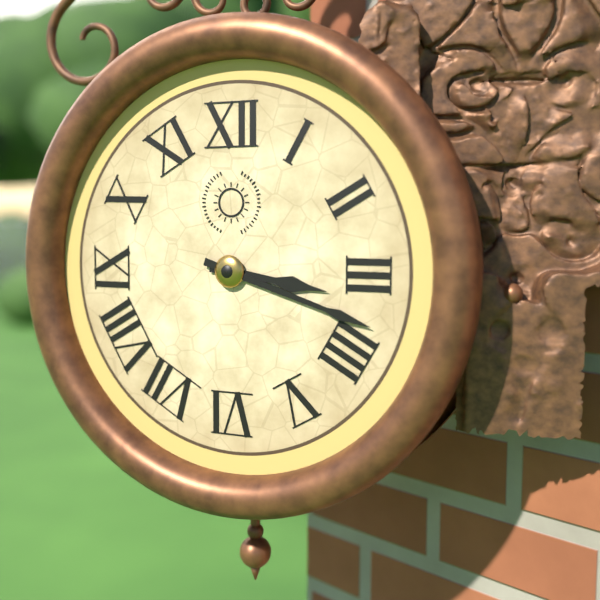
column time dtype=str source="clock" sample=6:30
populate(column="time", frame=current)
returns 3:18
